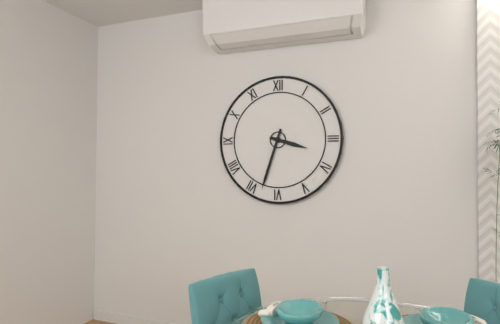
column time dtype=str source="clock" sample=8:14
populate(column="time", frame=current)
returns 3:33
